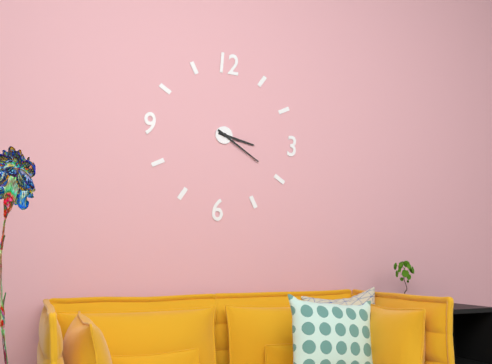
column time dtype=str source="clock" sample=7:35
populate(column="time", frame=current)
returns 3:20
